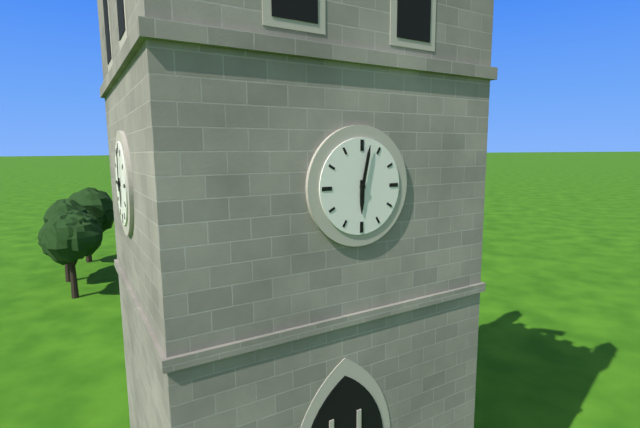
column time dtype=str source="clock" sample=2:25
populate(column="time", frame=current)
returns 6:02
